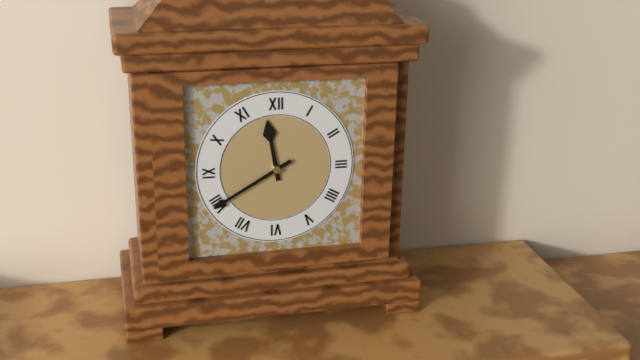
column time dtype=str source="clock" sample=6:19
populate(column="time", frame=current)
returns 11:40
